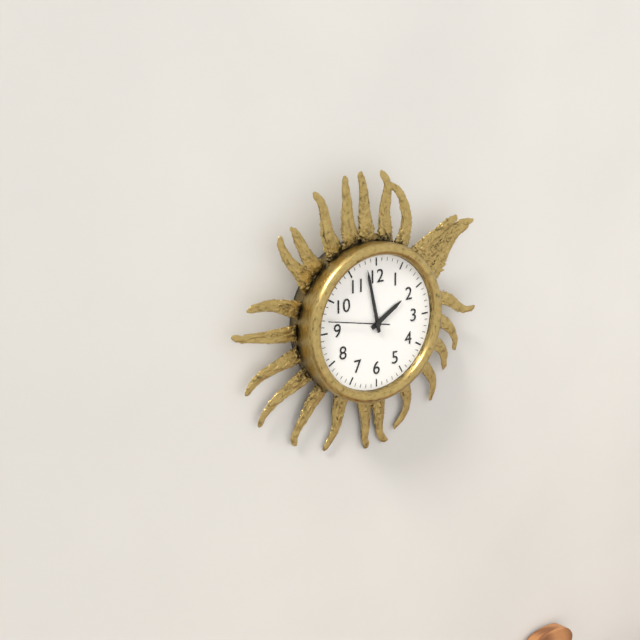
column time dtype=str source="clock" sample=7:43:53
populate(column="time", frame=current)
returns 1:58:47
